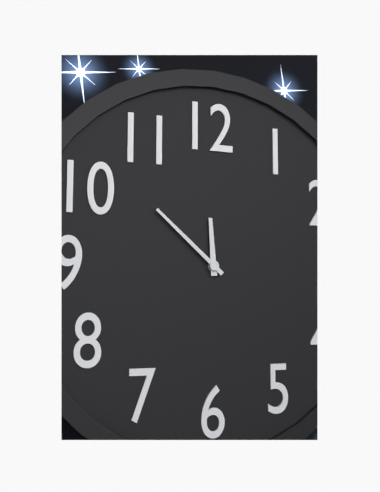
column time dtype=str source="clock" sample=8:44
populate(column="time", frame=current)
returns 11:52
